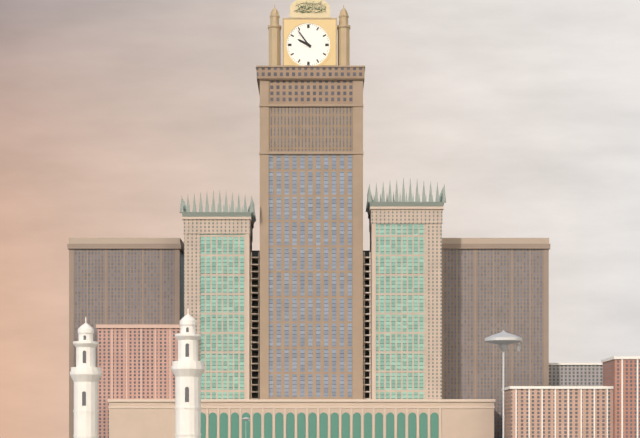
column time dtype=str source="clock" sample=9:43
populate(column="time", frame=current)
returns 9:54
